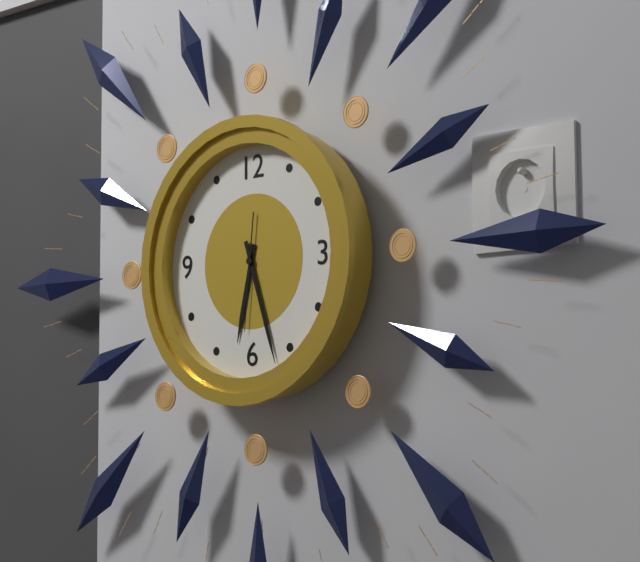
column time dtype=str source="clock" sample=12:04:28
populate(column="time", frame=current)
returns 6:27:31
